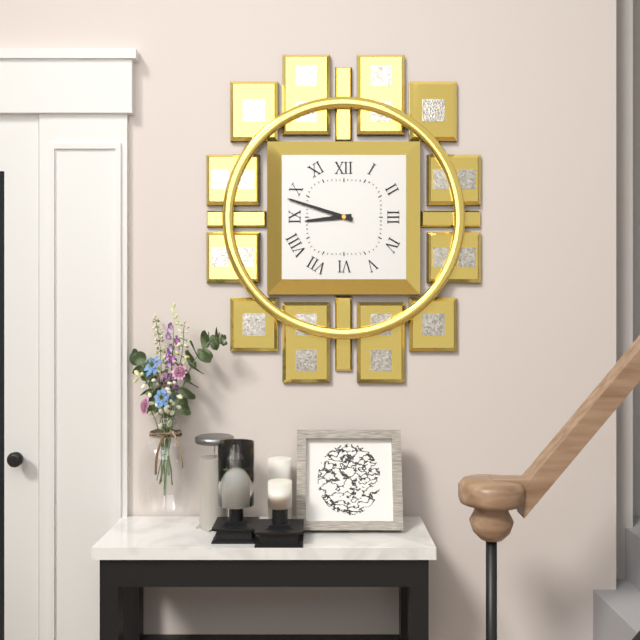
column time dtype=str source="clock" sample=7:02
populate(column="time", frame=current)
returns 8:48
